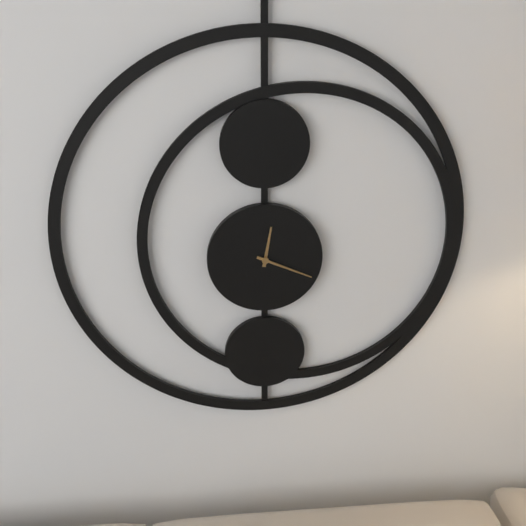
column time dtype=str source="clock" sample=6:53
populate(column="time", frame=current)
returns 12:19
